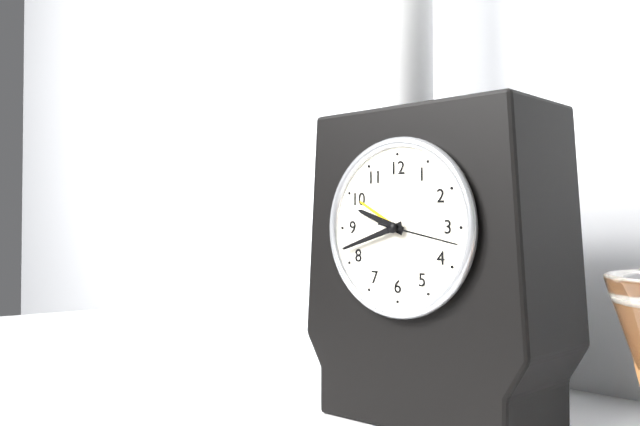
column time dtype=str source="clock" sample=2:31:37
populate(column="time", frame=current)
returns 9:42:17
